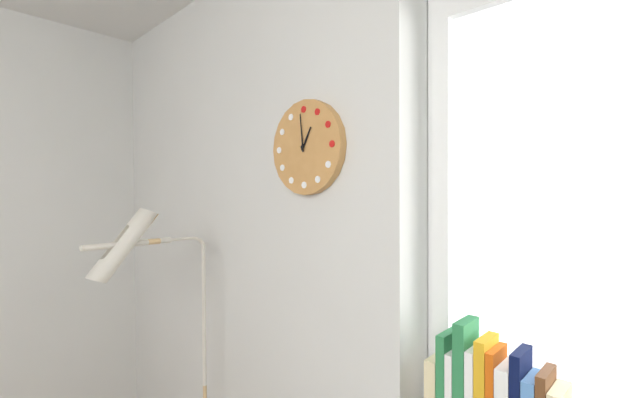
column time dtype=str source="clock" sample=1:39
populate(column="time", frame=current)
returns 12:59
